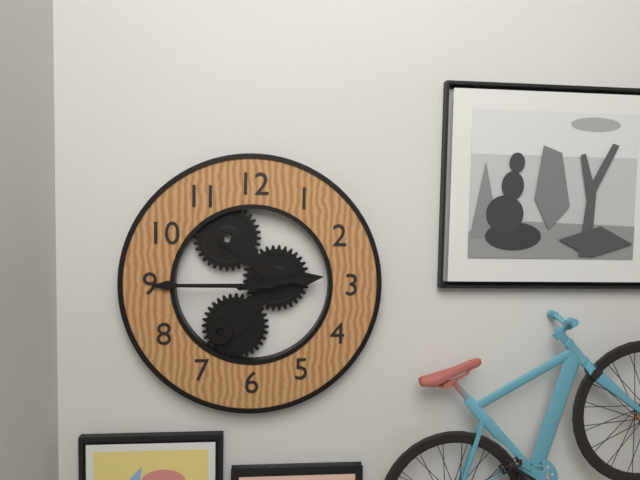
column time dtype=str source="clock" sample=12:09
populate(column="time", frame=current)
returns 2:45
